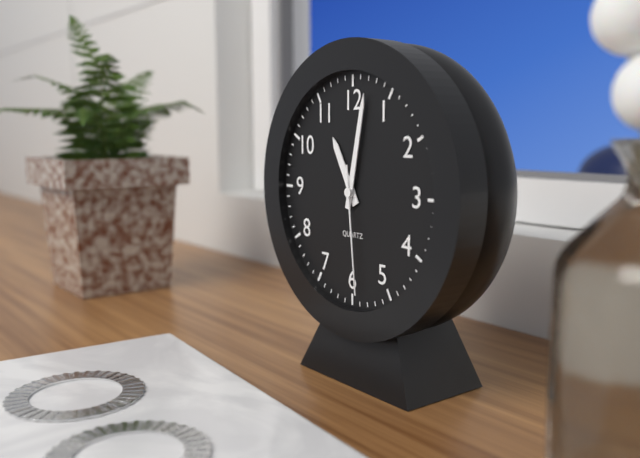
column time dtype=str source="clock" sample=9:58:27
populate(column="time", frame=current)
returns 11:02:29
